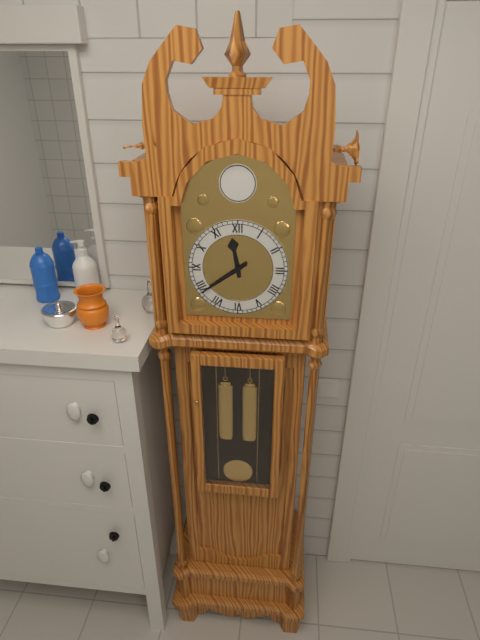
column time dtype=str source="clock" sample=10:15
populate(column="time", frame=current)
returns 11:39
